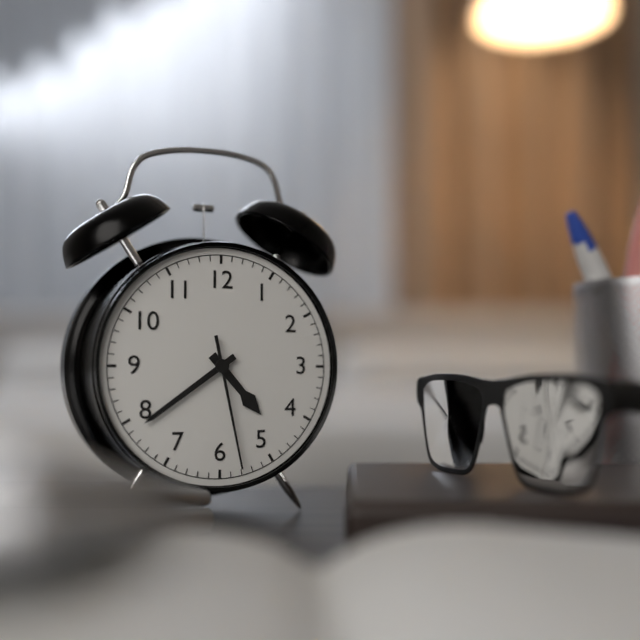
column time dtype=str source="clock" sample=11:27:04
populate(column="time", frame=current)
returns 4:39:28
